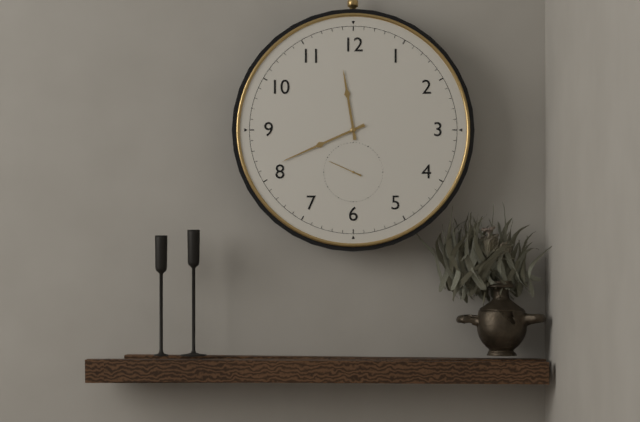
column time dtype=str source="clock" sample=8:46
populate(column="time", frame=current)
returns 11:41
